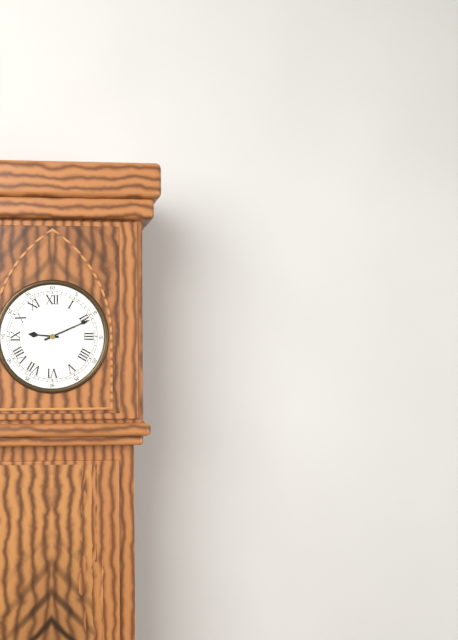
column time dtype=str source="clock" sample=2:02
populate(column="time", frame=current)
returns 9:11
